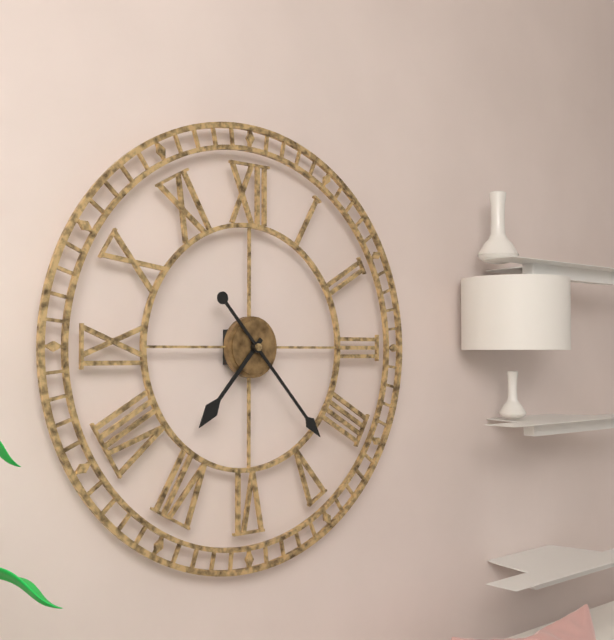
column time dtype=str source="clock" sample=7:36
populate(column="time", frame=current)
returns 7:23
